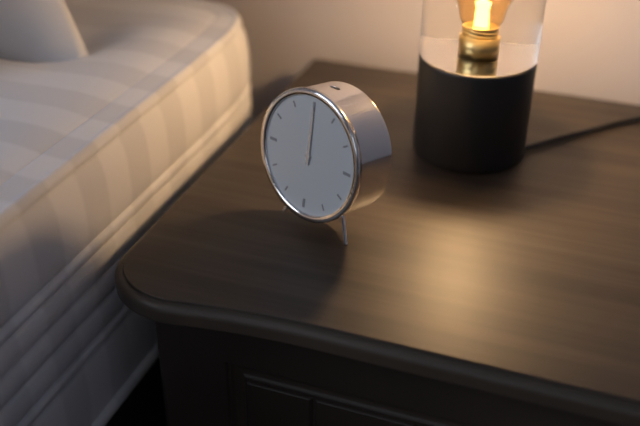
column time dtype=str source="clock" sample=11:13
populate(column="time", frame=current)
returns 12:00
